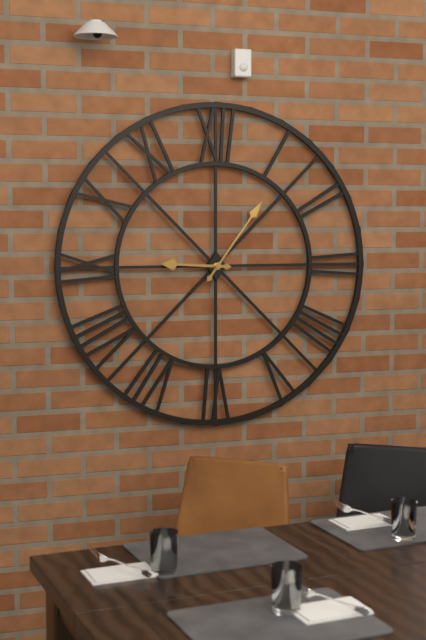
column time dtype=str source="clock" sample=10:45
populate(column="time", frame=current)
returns 9:06
